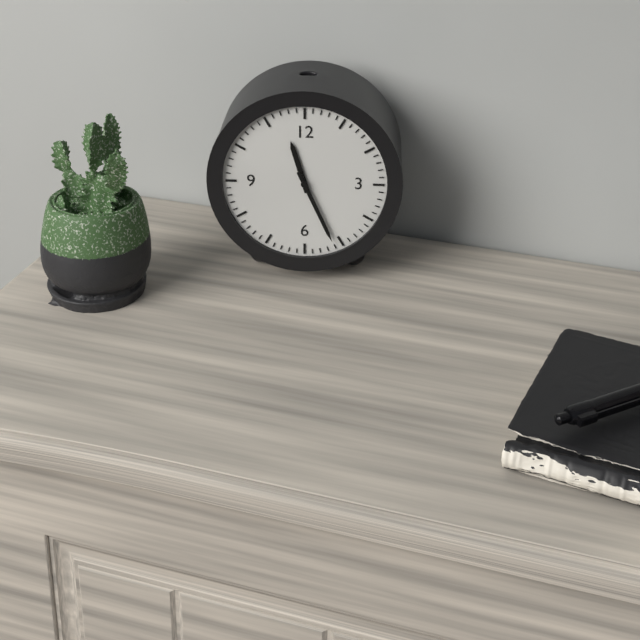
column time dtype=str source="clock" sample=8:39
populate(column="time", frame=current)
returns 11:26
